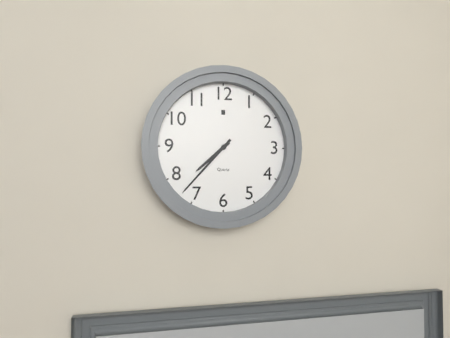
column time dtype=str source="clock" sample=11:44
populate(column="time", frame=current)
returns 7:37
